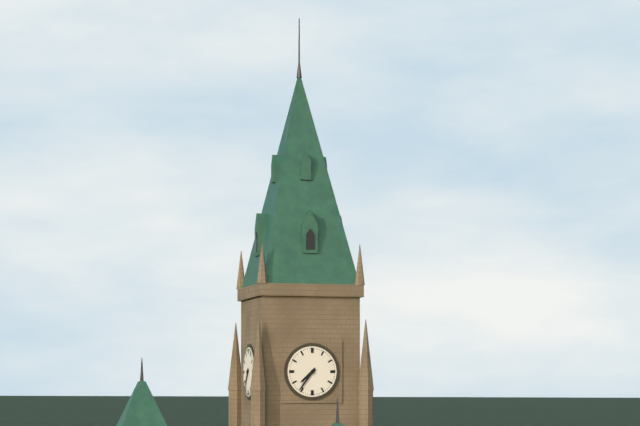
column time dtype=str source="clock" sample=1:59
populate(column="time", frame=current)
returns 7:36
